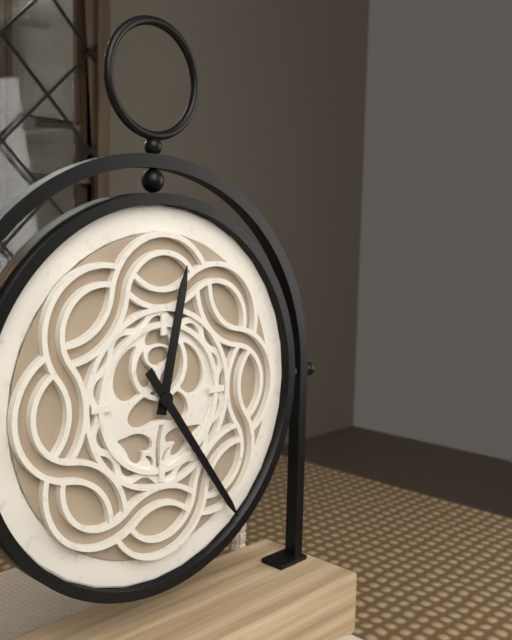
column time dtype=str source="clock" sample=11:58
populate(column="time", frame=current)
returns 12:24
